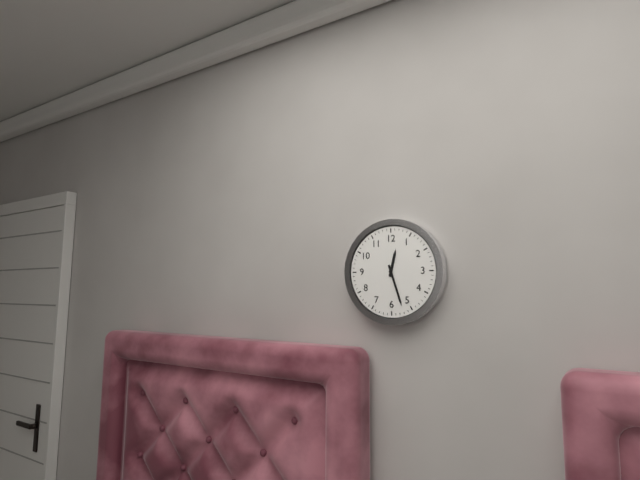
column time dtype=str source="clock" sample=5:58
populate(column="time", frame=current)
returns 12:27
